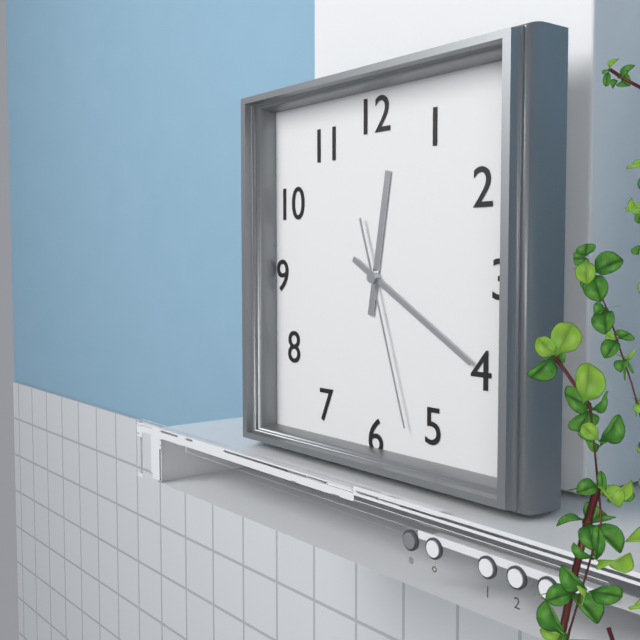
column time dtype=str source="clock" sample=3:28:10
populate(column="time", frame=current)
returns 12:20:27
